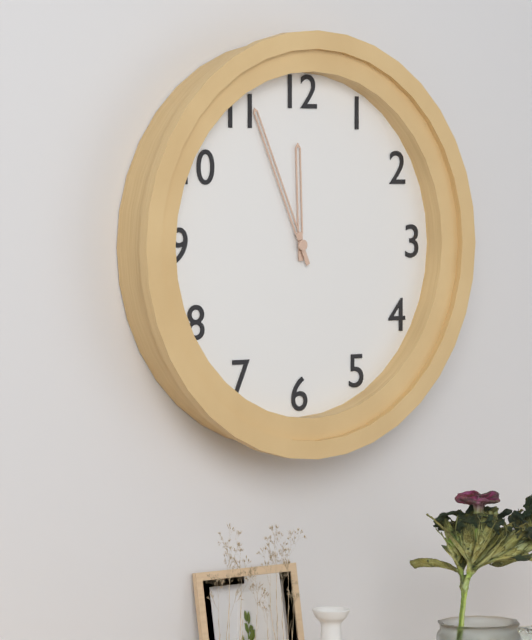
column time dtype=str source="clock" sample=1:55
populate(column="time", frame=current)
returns 11:56
